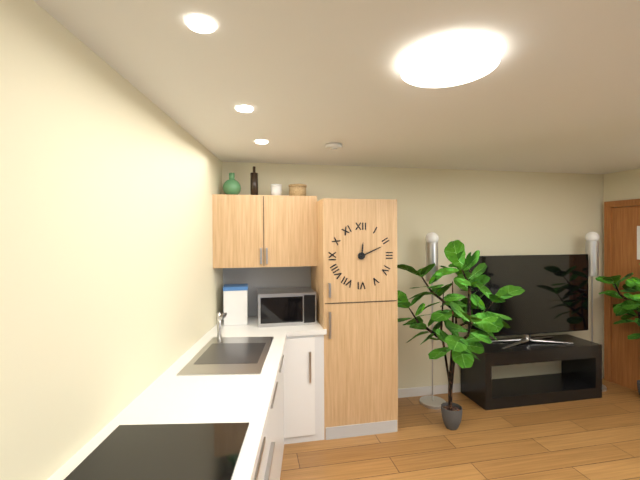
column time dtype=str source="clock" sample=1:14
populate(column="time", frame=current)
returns 12:11
